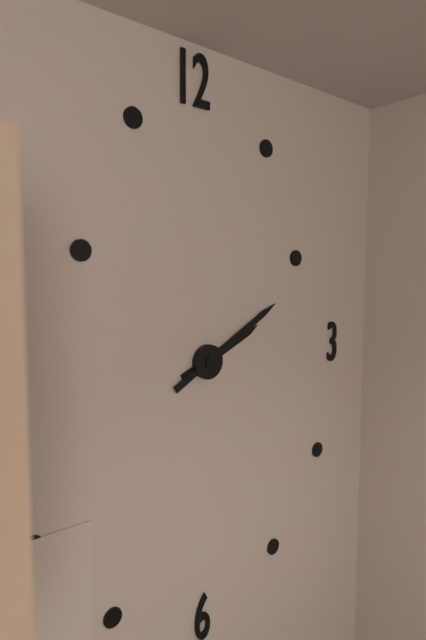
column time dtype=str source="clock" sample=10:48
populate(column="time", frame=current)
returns 2:10
